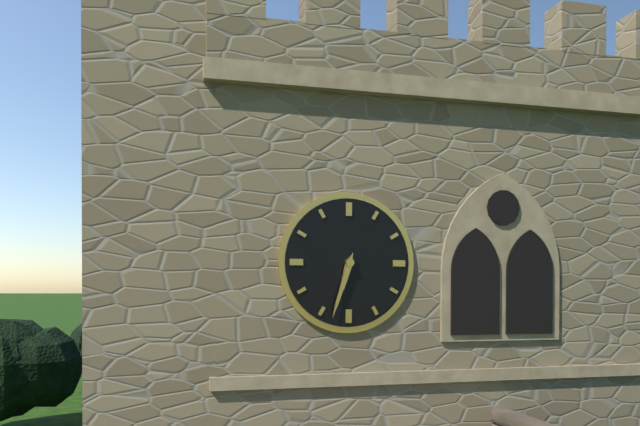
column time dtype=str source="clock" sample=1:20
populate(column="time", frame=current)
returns 6:33
